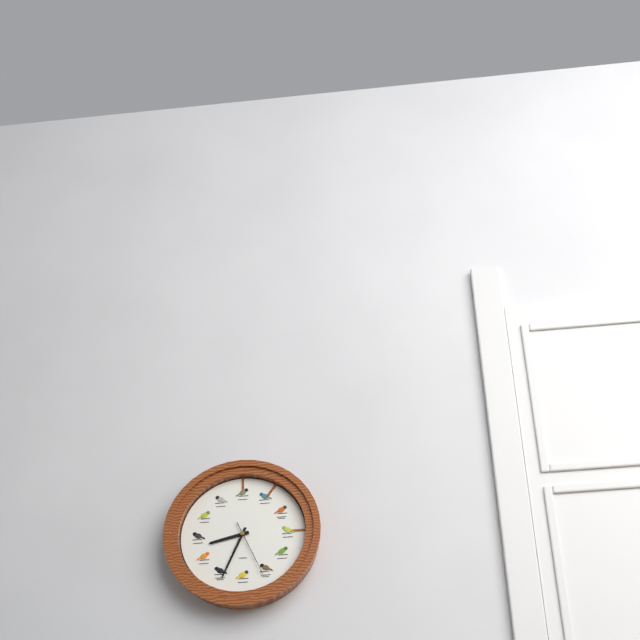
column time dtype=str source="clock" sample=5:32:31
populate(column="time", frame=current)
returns 8:34:26
